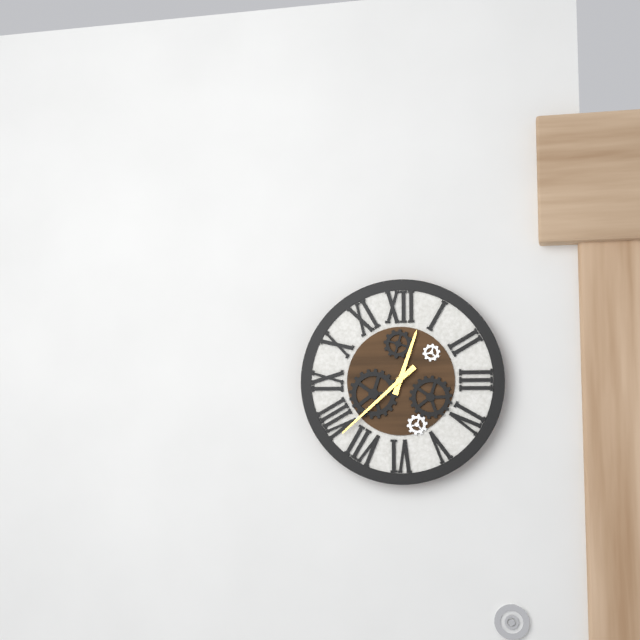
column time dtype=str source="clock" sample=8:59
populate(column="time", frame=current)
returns 12:38
